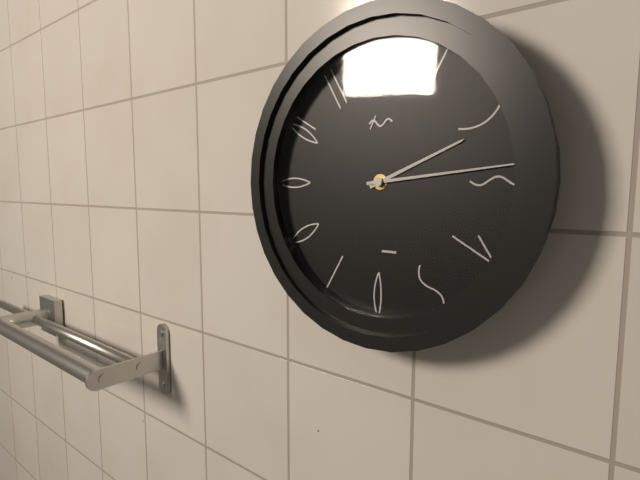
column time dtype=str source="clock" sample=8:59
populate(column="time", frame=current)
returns 2:14
